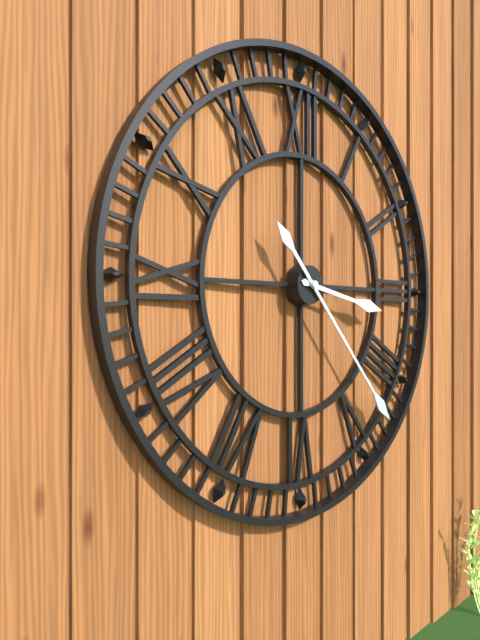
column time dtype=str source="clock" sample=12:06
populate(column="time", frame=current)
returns 3:23
